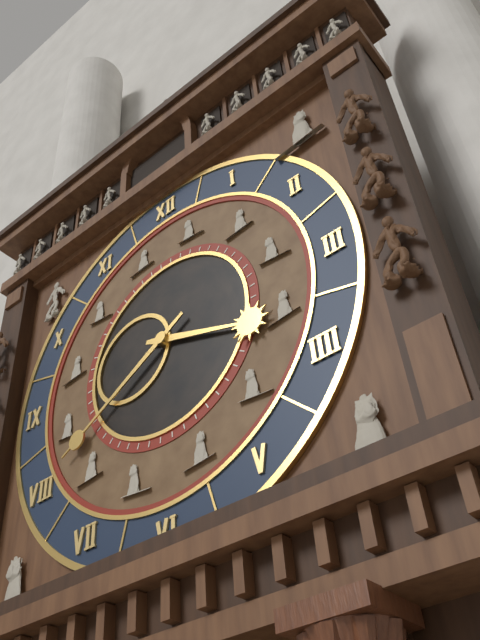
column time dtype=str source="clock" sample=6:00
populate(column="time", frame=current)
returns 3:40
